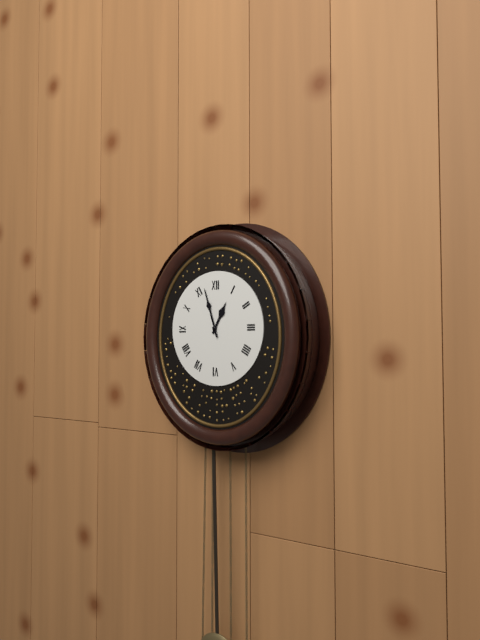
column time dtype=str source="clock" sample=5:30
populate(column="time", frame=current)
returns 12:57
